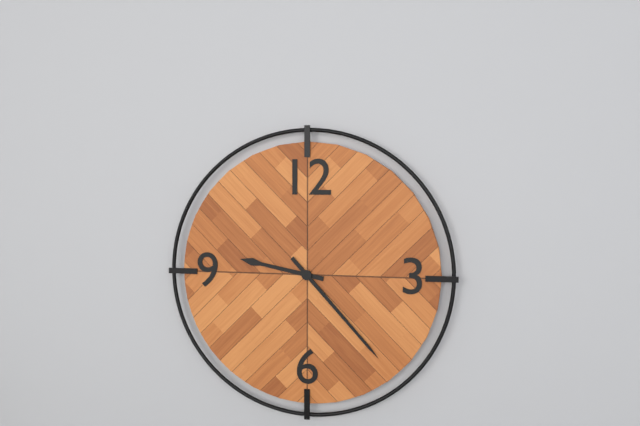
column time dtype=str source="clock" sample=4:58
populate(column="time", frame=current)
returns 9:23
